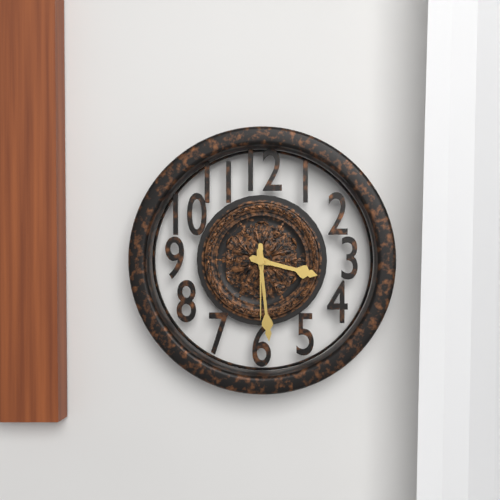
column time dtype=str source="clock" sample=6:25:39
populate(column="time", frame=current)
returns 3:29:30
